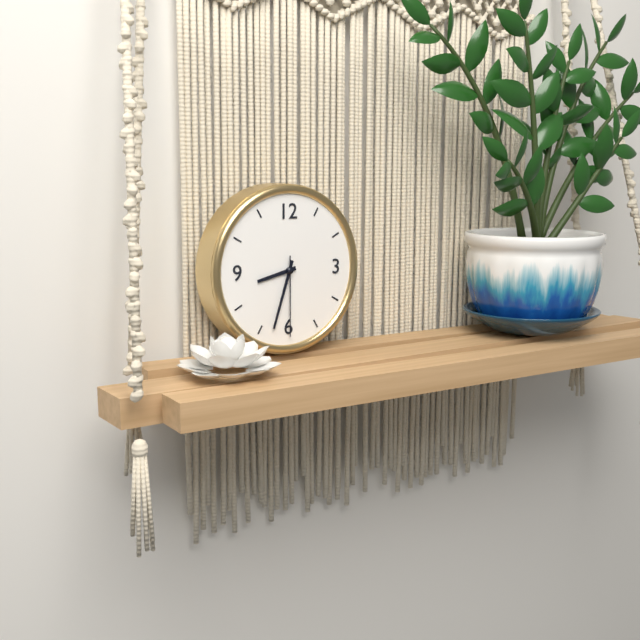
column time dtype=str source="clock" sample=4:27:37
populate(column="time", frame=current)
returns 8:33:30
